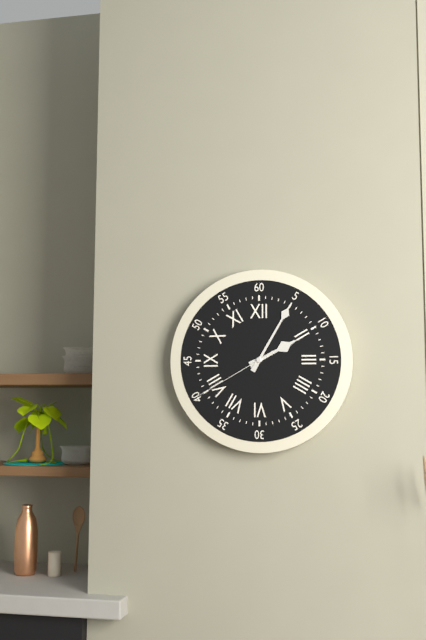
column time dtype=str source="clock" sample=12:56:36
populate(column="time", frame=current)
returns 2:05:40
